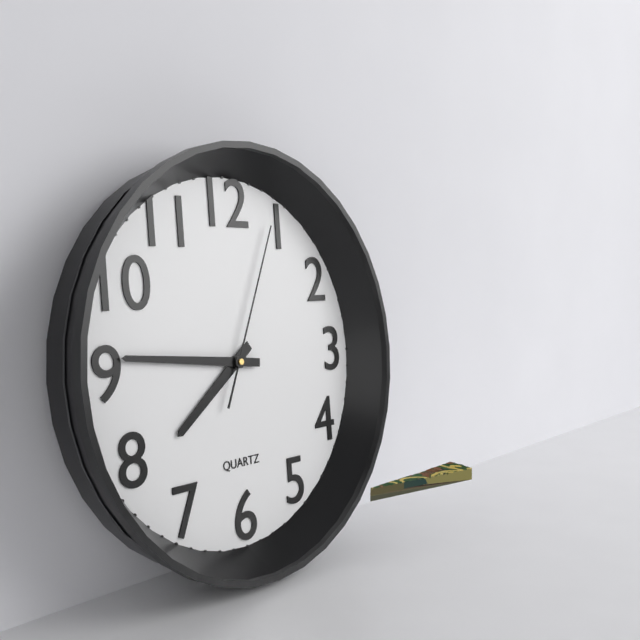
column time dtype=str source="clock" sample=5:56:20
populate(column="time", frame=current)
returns 7:46:04
